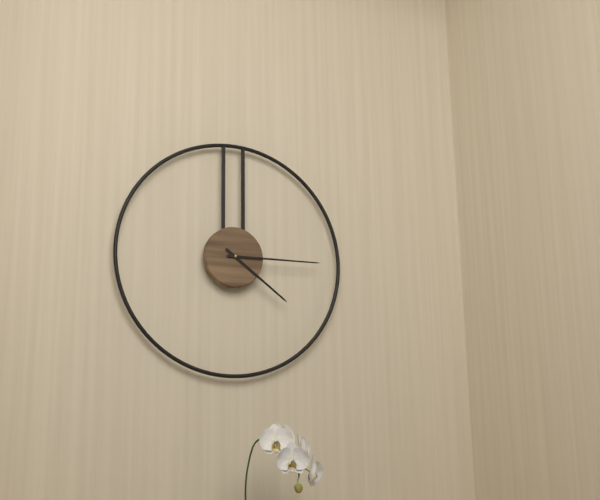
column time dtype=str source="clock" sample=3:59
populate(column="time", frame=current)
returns 4:15
